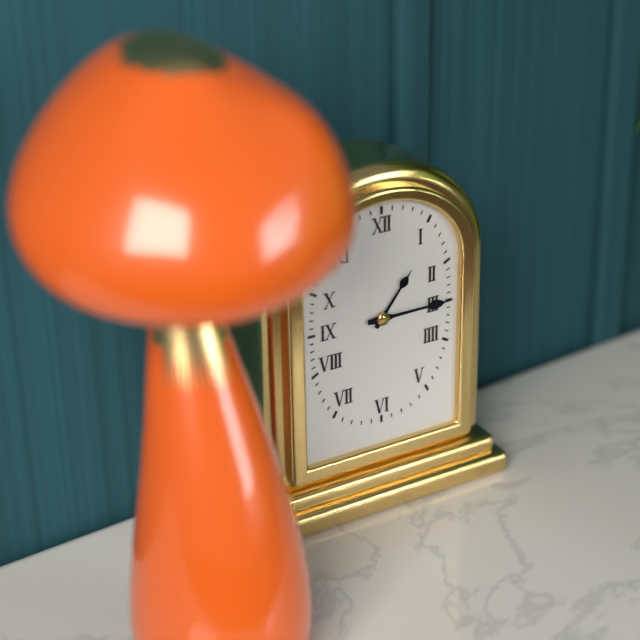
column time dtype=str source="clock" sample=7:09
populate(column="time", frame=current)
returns 1:15
